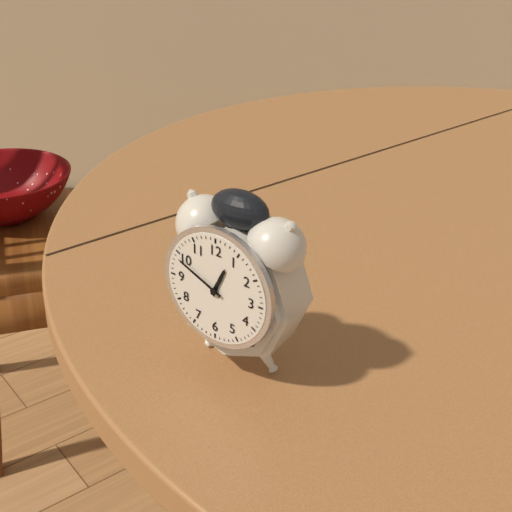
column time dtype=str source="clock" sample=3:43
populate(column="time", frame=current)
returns 12:49
